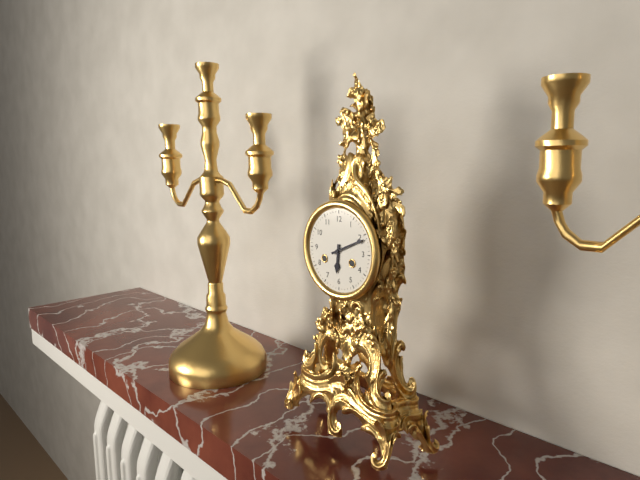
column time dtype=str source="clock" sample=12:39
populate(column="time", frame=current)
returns 6:11
